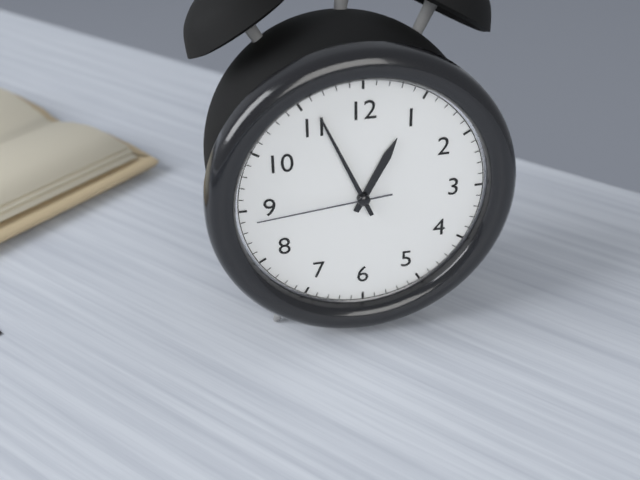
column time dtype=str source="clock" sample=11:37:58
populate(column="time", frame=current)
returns 12:56:44
